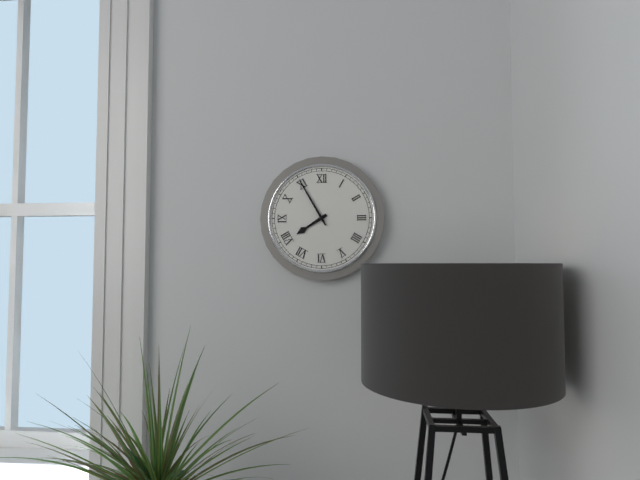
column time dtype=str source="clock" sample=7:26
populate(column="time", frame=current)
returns 7:55
